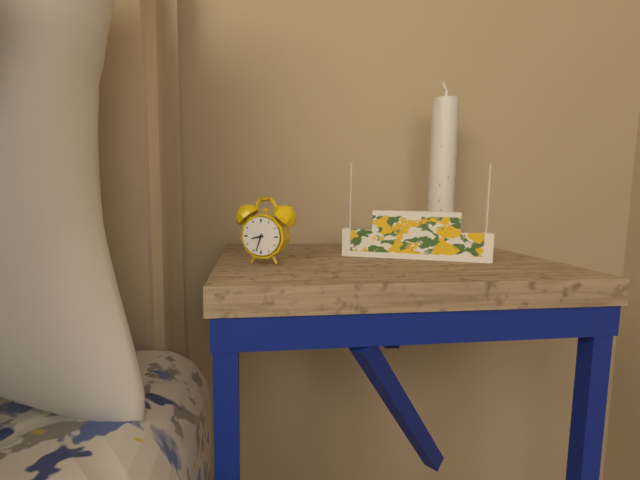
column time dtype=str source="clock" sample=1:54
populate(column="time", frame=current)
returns 8:33
